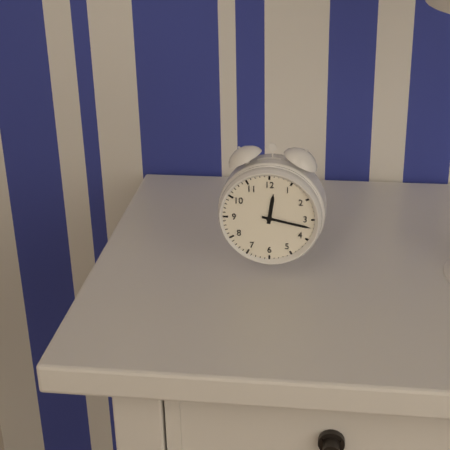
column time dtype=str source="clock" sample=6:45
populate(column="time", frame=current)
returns 12:17
